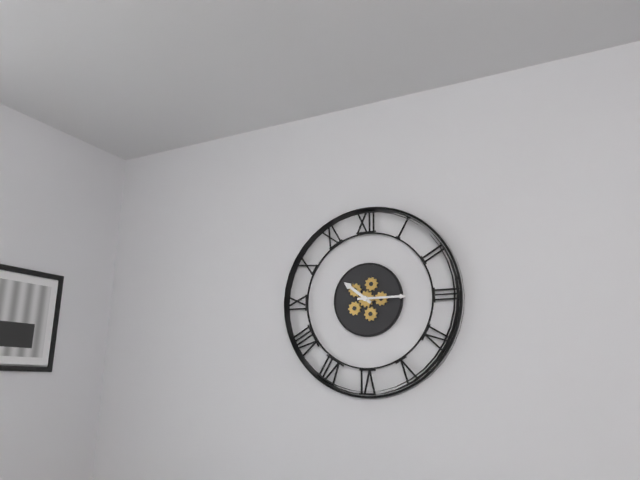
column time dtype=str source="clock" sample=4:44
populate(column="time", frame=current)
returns 10:15
